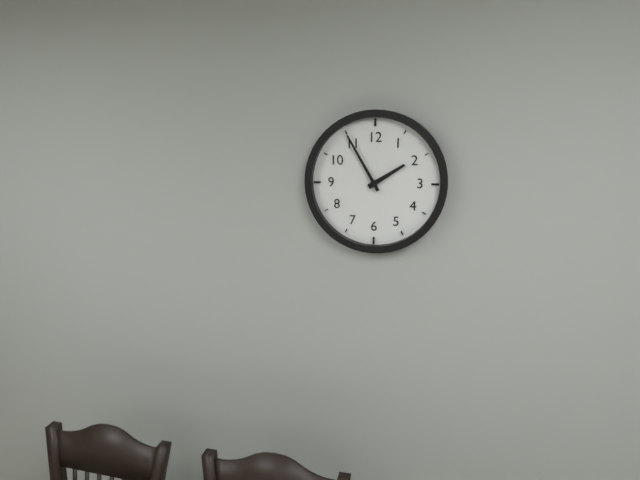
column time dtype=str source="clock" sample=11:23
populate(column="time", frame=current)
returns 1:55
